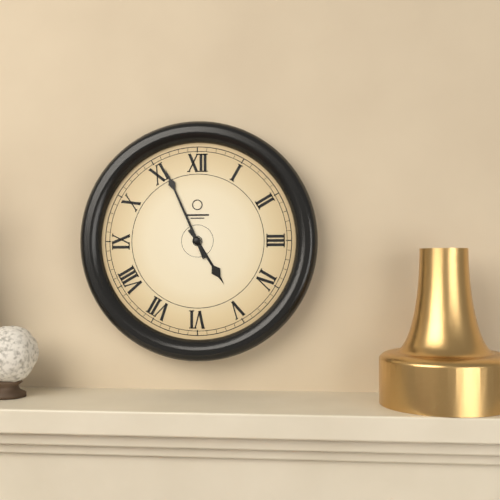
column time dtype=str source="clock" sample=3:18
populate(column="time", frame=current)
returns 4:56
